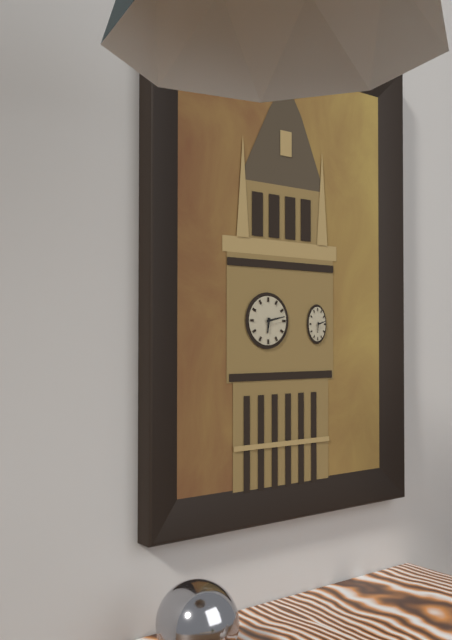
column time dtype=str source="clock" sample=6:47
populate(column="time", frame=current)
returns 6:13
